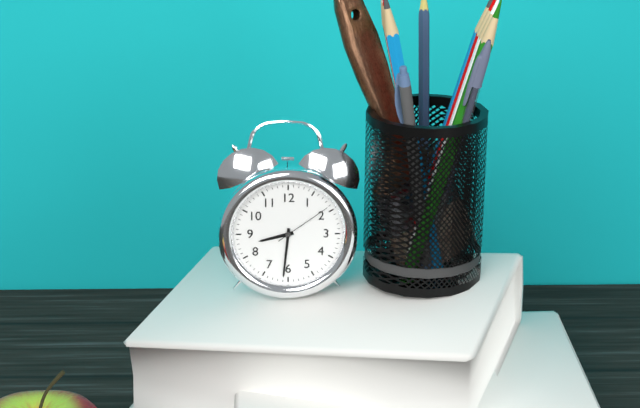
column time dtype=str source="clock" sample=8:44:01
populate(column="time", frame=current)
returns 8:31:09
